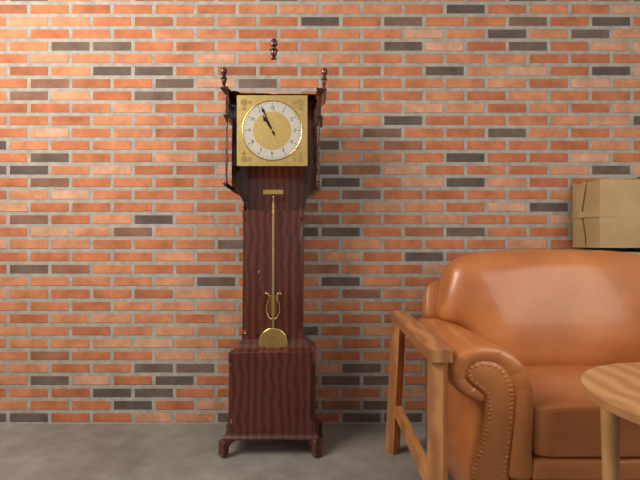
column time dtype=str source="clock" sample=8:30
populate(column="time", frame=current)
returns 10:56
